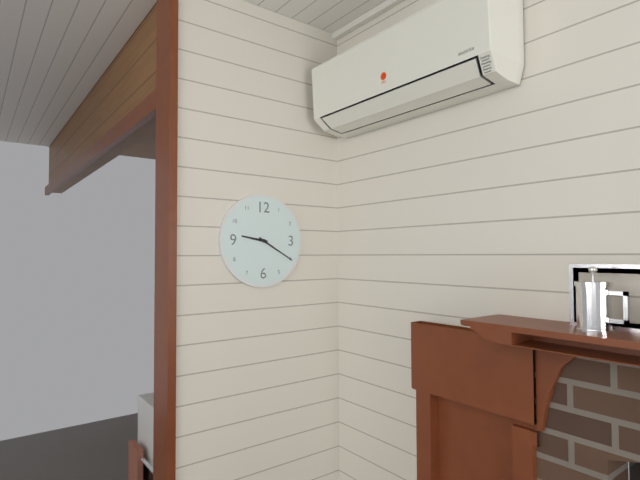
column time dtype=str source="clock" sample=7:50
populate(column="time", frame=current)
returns 9:20
